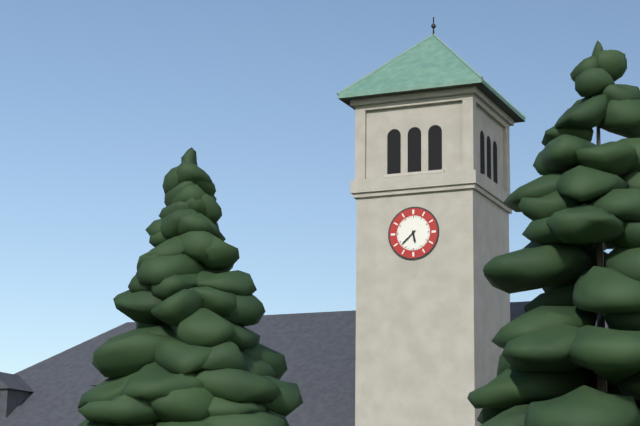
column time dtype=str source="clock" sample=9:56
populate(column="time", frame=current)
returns 5:38
